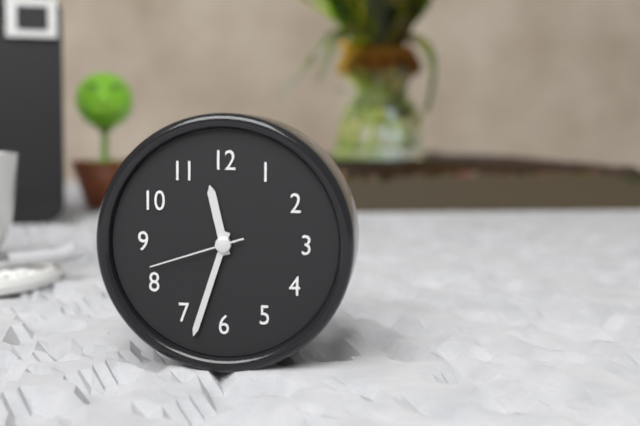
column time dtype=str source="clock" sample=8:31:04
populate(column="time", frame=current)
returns 11:33:42
